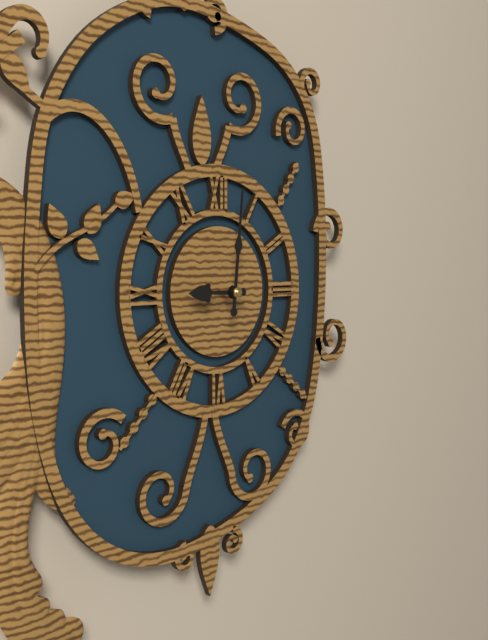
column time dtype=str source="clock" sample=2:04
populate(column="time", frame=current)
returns 9:01
